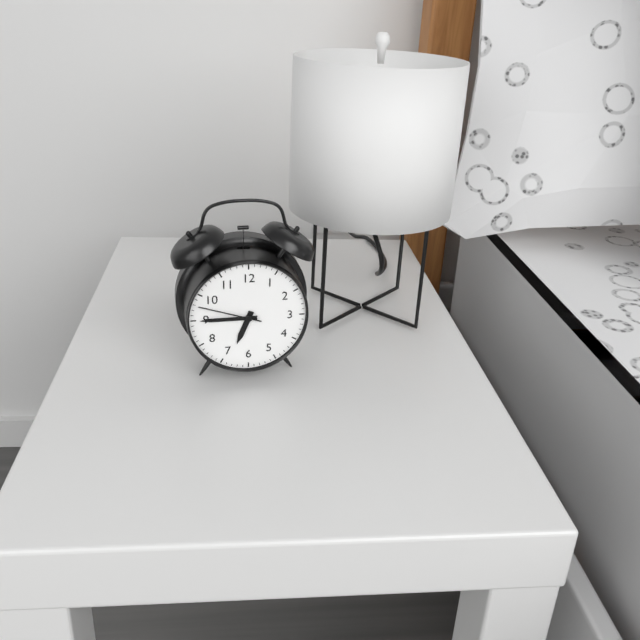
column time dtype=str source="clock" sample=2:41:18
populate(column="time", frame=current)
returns 6:45:48
